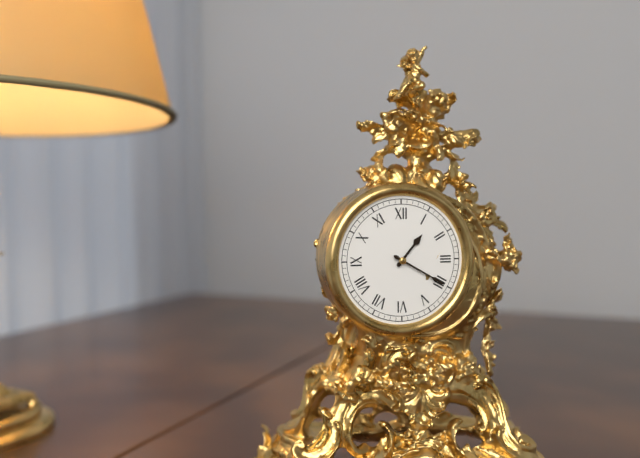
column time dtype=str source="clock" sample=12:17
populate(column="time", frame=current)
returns 1:20
